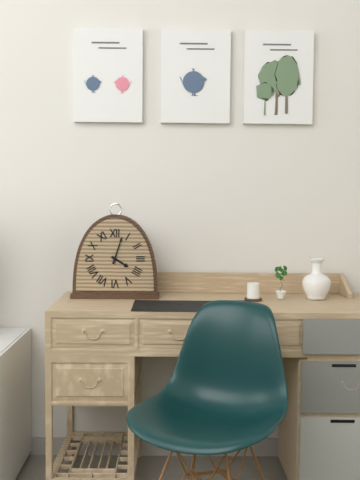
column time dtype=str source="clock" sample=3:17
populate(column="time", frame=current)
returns 4:03
